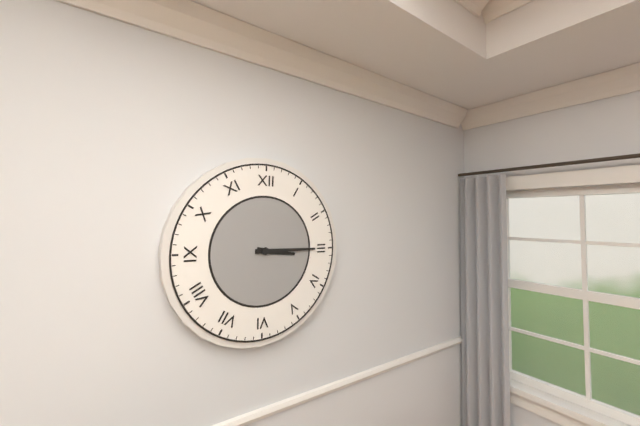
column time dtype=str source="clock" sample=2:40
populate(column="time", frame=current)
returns 3:15
